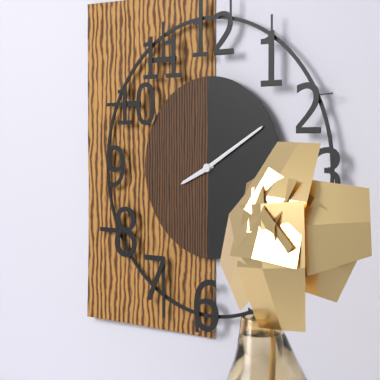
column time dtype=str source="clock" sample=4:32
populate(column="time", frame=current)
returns 8:10
